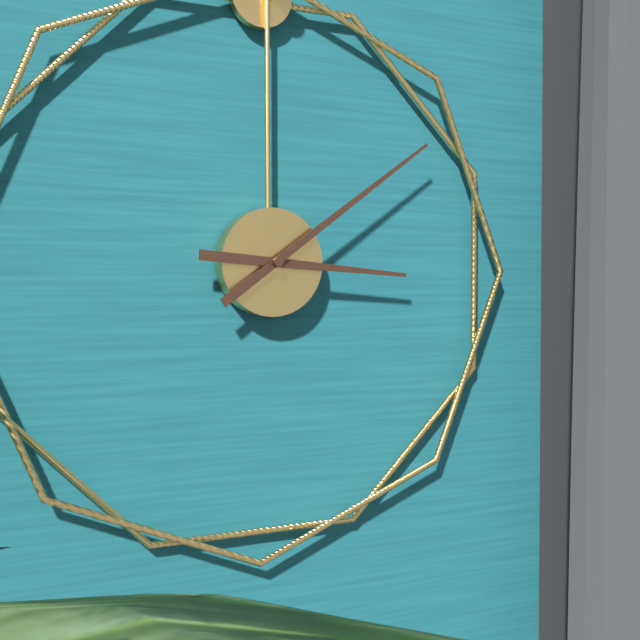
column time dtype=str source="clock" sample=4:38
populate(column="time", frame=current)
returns 3:09
